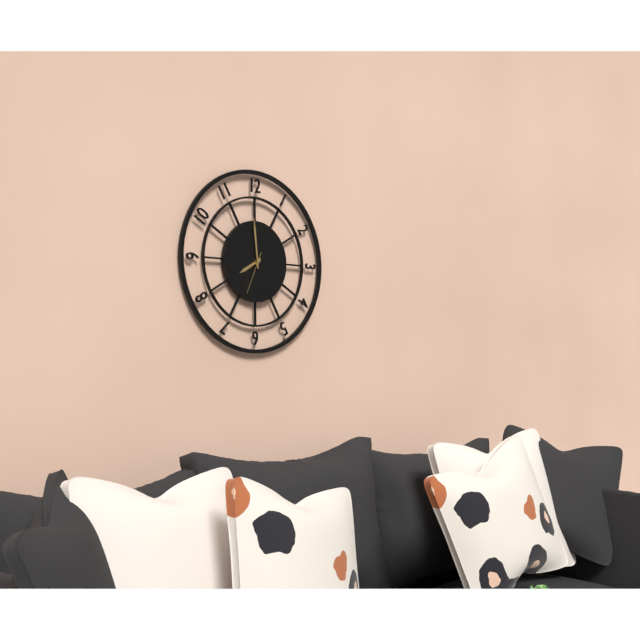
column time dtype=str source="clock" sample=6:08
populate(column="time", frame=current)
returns 7:59
